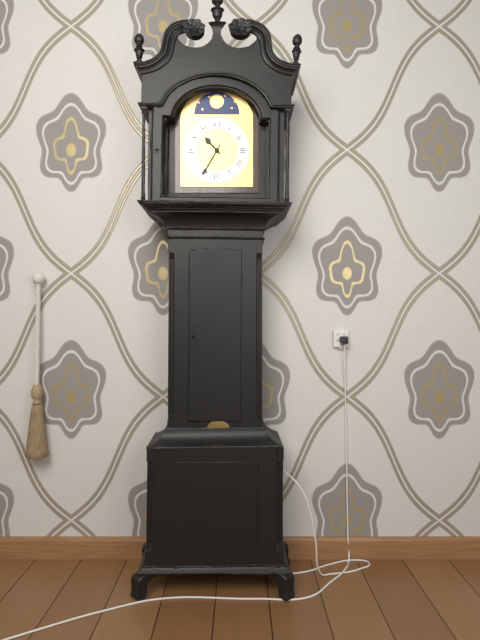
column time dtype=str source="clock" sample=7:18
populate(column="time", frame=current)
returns 10:35
